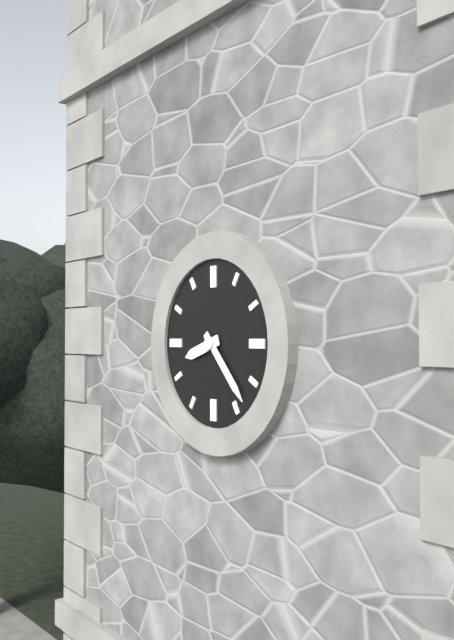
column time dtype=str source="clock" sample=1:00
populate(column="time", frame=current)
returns 8:23
